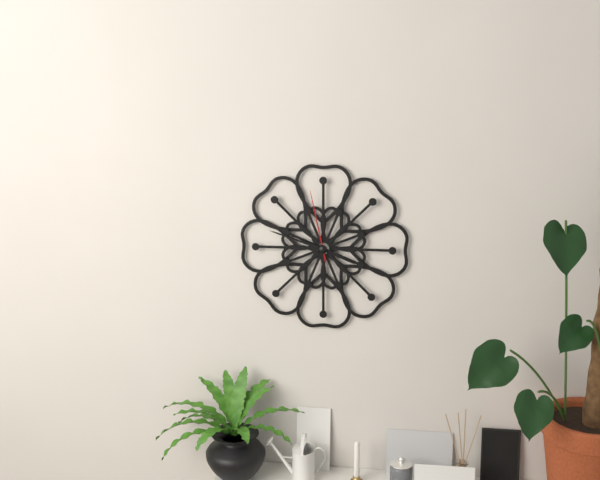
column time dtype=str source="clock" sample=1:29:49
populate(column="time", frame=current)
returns 3:48:58
